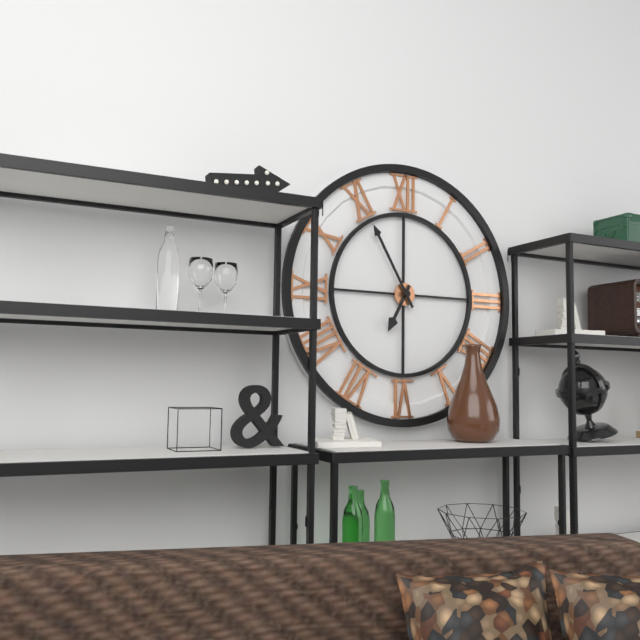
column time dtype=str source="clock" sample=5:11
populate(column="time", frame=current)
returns 6:55
